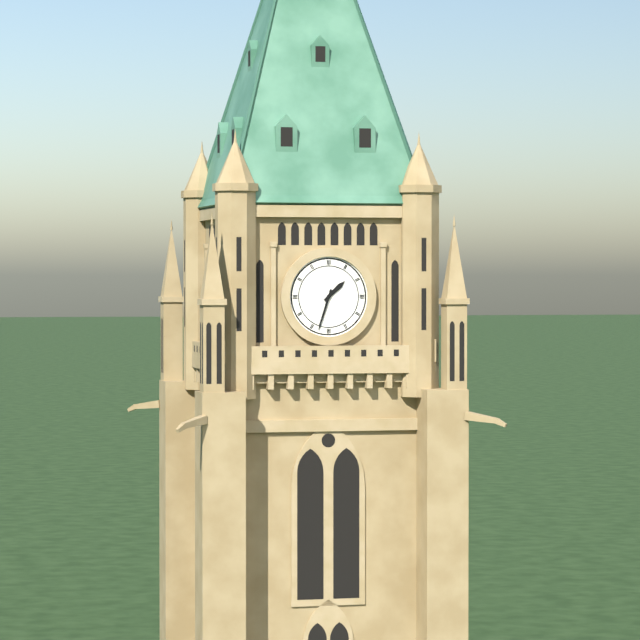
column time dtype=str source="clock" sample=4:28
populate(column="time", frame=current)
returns 1:33
